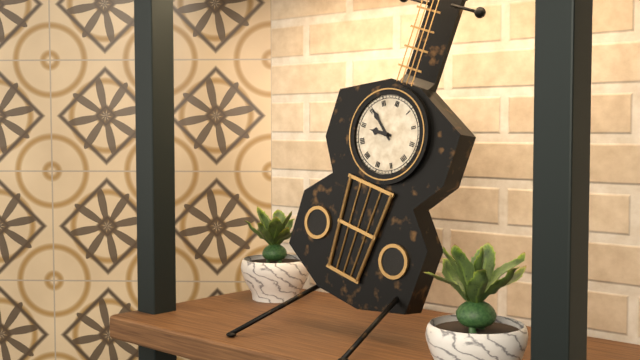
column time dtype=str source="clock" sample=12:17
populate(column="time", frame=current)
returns 8:51
